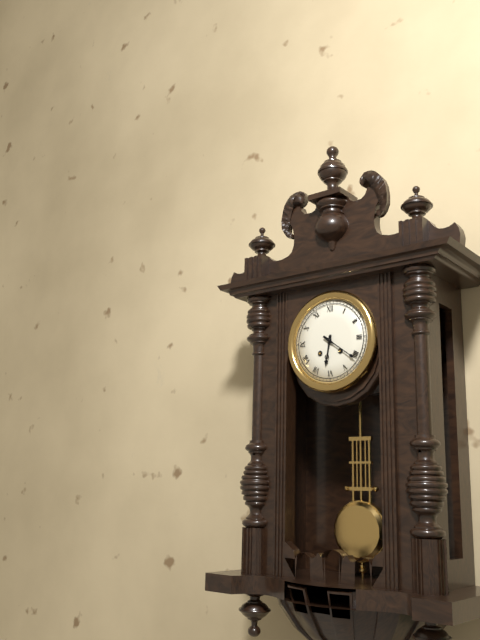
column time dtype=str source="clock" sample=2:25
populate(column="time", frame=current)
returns 6:21
